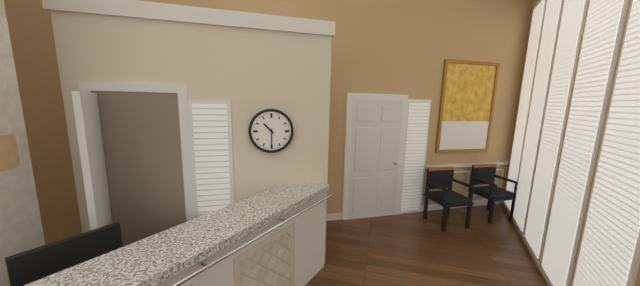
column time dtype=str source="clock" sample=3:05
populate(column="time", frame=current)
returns 10:30
